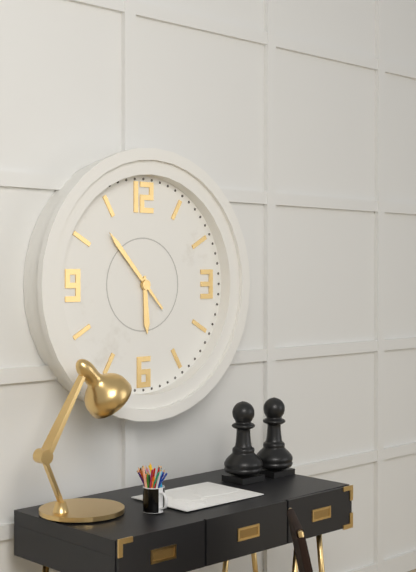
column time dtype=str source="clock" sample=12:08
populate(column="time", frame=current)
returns 5:53
